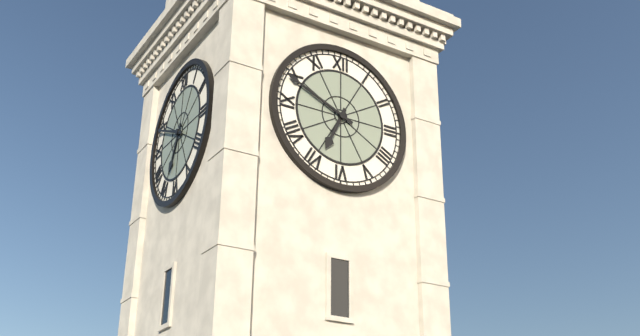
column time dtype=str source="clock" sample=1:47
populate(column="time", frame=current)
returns 6:49
